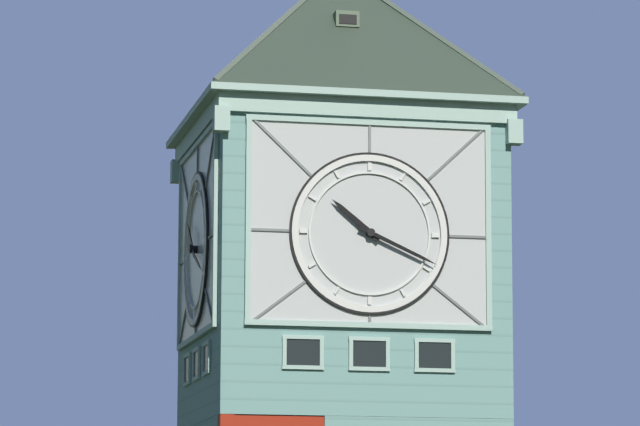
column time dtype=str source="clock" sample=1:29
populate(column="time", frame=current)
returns 10:19
